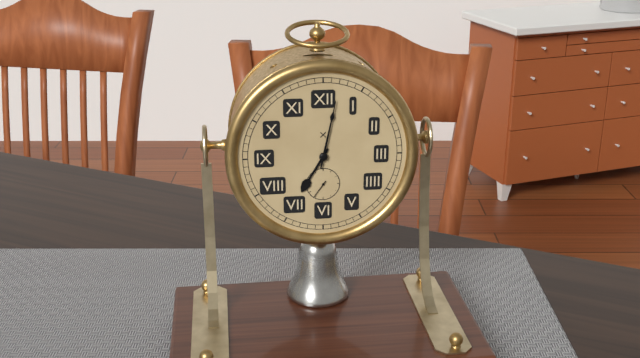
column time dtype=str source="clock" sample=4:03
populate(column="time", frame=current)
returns 7:02
